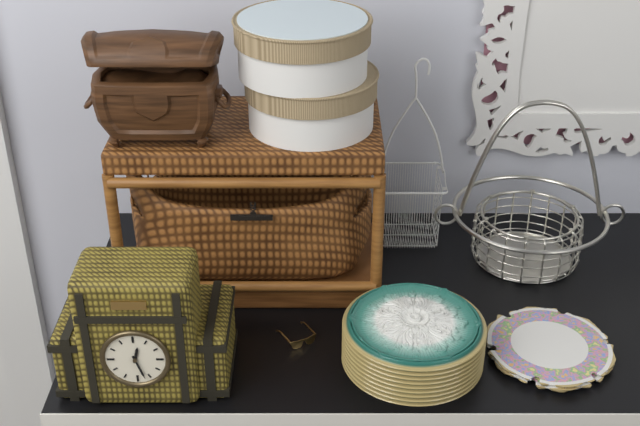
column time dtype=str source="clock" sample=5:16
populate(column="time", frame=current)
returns 12:27
